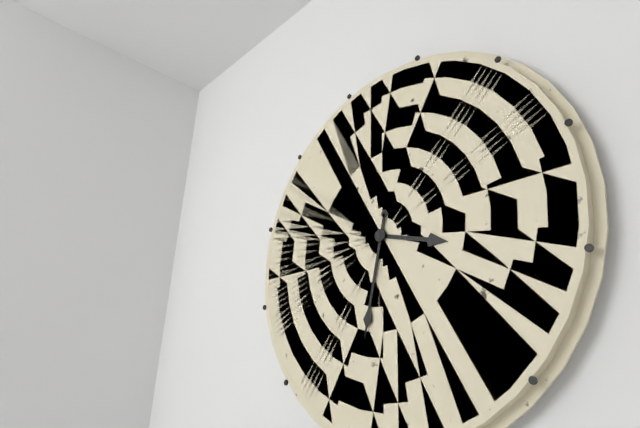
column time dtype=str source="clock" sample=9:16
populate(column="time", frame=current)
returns 3:32
